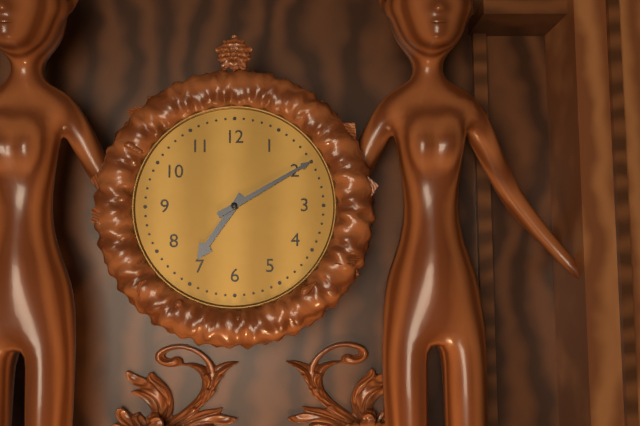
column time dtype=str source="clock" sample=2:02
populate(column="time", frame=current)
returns 7:10
